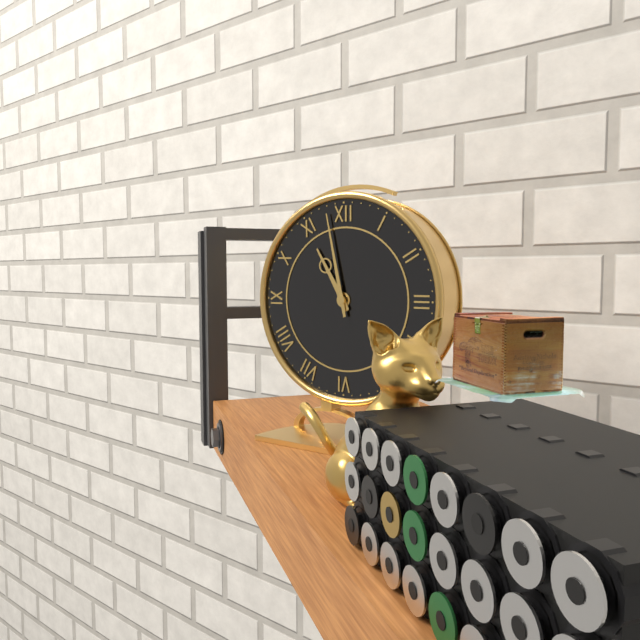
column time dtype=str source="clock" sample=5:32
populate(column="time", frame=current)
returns 10:58
